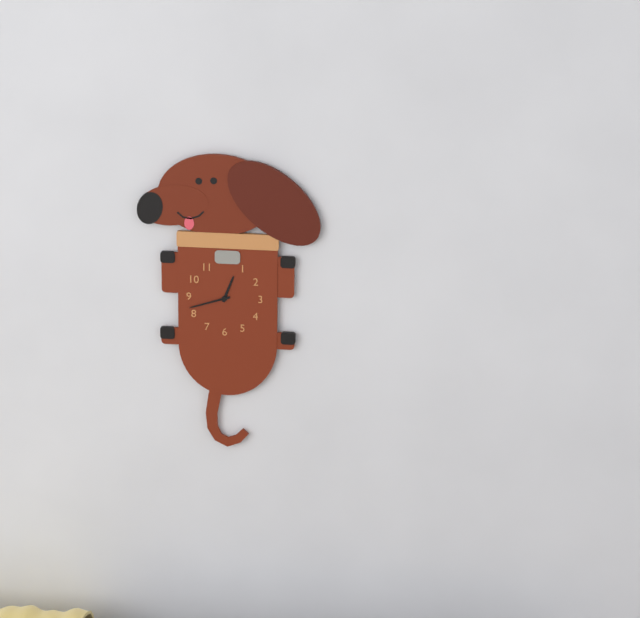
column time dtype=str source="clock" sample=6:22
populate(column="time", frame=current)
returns 12:42
